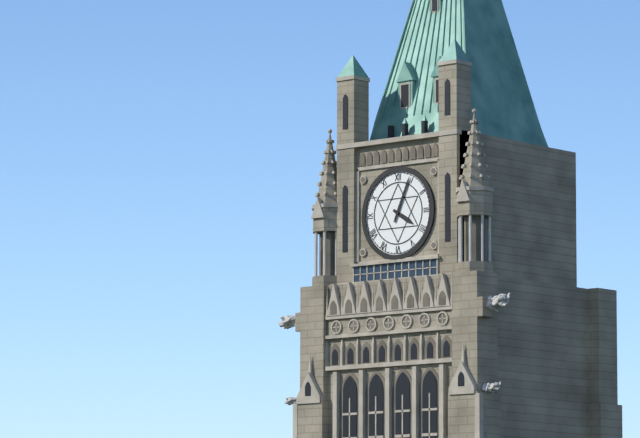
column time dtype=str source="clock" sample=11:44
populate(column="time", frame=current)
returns 4:04
